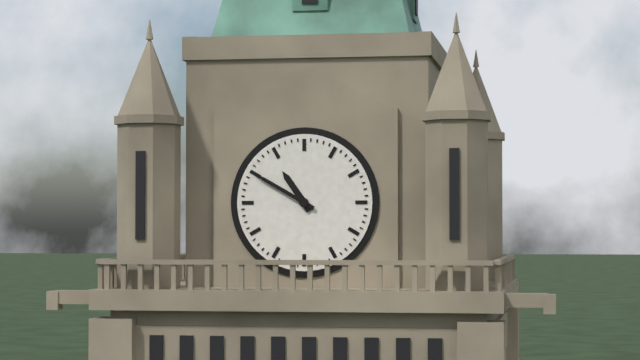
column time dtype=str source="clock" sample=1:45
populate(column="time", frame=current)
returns 10:50
